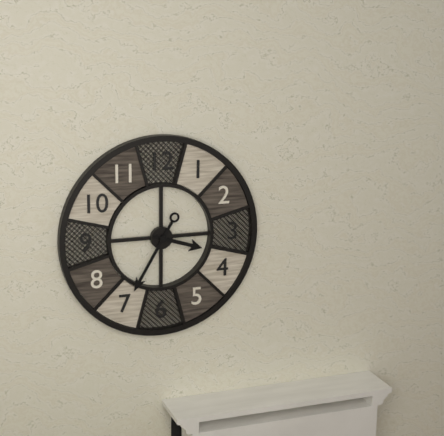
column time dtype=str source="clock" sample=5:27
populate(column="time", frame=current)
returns 3:35
